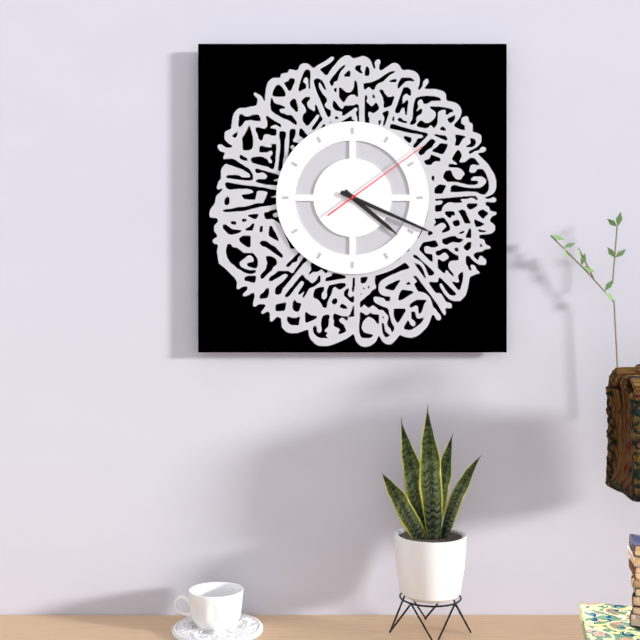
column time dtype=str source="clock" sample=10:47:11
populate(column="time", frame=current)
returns 4:19:09
